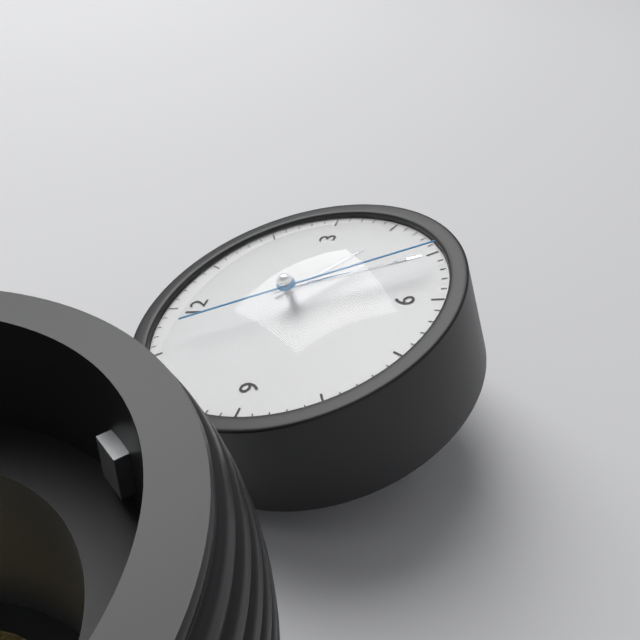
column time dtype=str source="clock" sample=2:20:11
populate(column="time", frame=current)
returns 4:27:26
